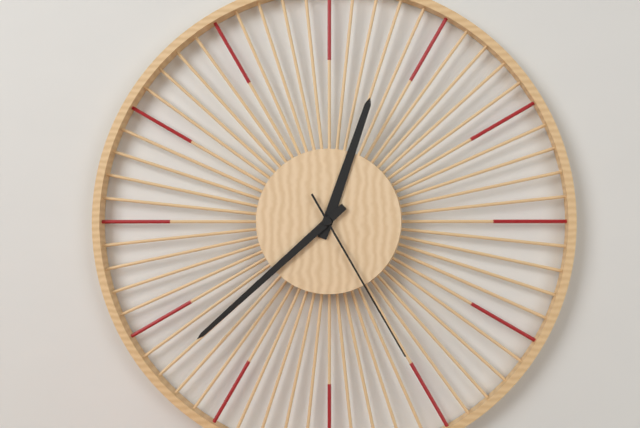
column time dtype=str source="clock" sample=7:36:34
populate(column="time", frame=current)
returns 12:38:25
